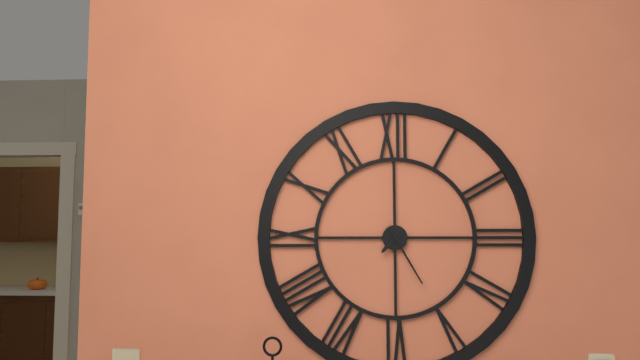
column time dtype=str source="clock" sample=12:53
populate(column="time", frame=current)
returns 7:25
